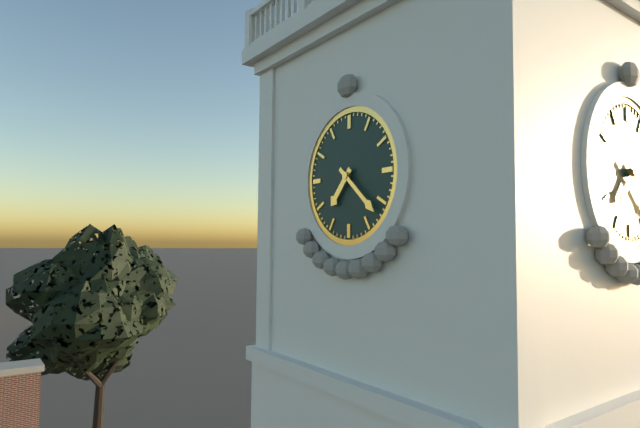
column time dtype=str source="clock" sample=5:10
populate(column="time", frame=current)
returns 7:22
